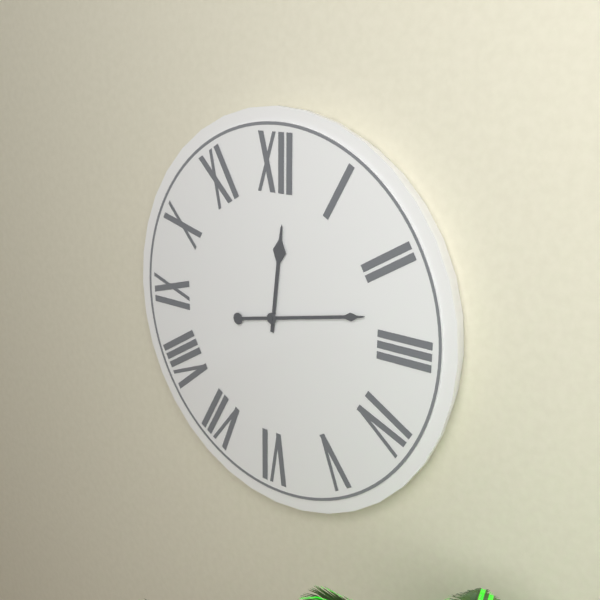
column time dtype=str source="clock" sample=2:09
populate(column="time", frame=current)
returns 12:13
